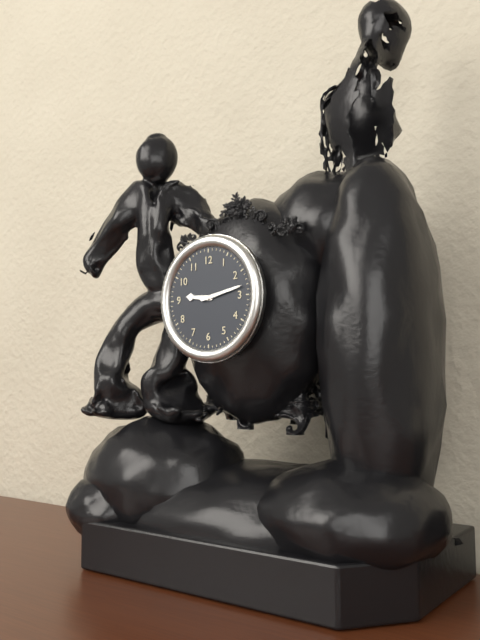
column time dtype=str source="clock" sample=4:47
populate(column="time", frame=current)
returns 9:13
